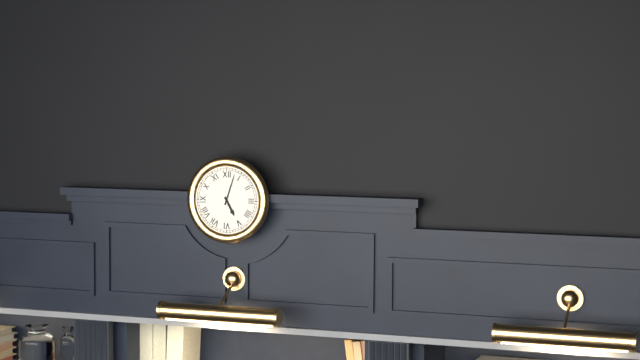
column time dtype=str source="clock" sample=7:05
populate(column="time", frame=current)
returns 5:03
